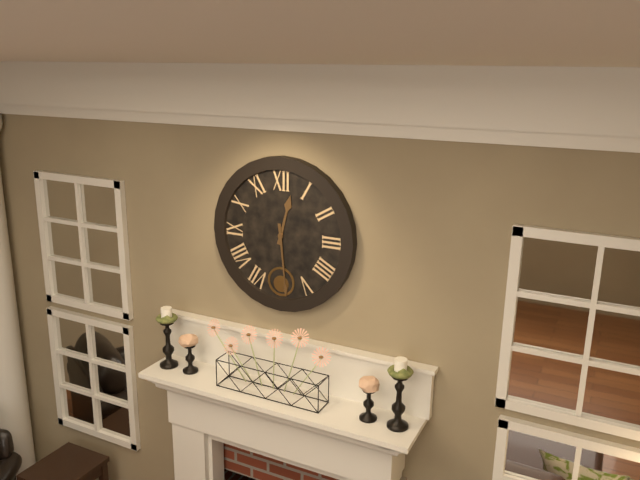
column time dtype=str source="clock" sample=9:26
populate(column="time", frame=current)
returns 12:29
